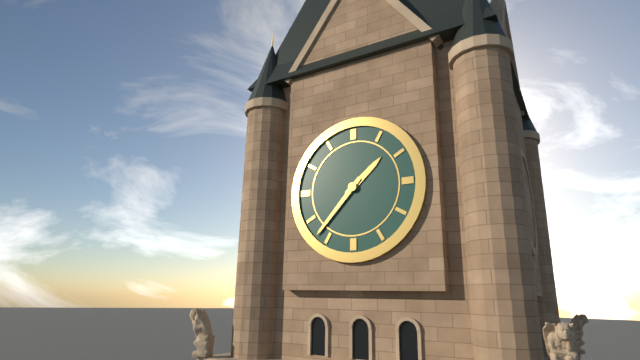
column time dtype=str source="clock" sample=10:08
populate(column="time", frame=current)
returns 1:37
